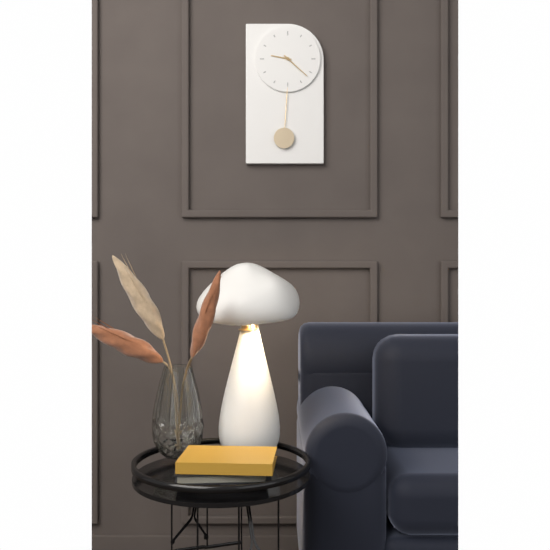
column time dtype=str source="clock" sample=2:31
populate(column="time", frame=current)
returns 9:22
